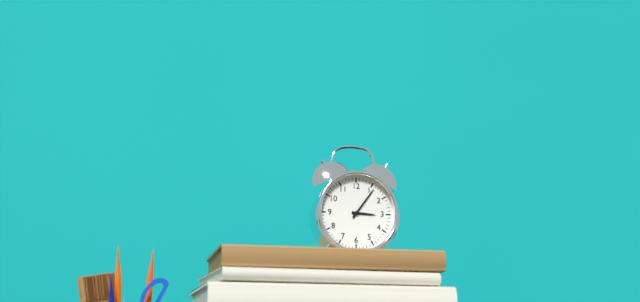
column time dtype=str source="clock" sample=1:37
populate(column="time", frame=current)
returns 3:06
